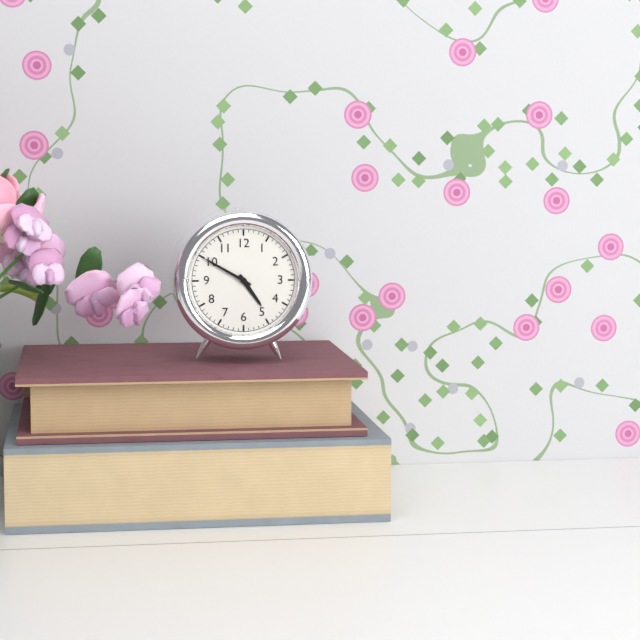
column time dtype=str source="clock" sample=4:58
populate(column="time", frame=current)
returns 4:50
